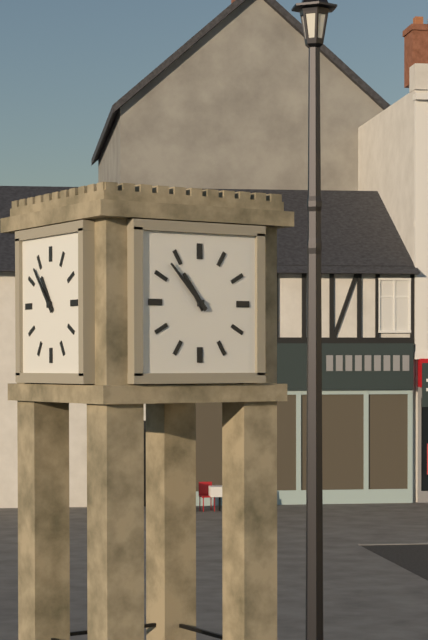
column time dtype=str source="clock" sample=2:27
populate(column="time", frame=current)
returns 10:53
